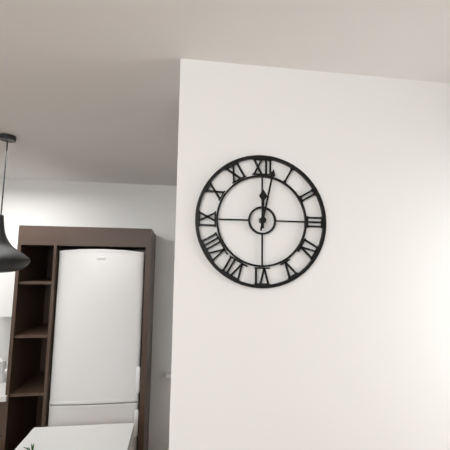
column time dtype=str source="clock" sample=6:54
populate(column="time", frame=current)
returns 12:02
